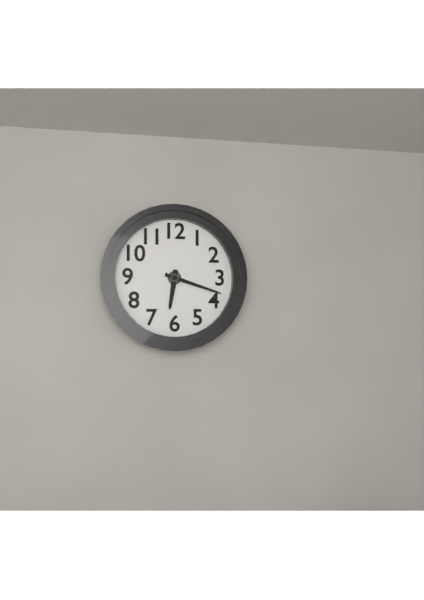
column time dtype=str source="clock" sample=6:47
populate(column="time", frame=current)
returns 6:18
